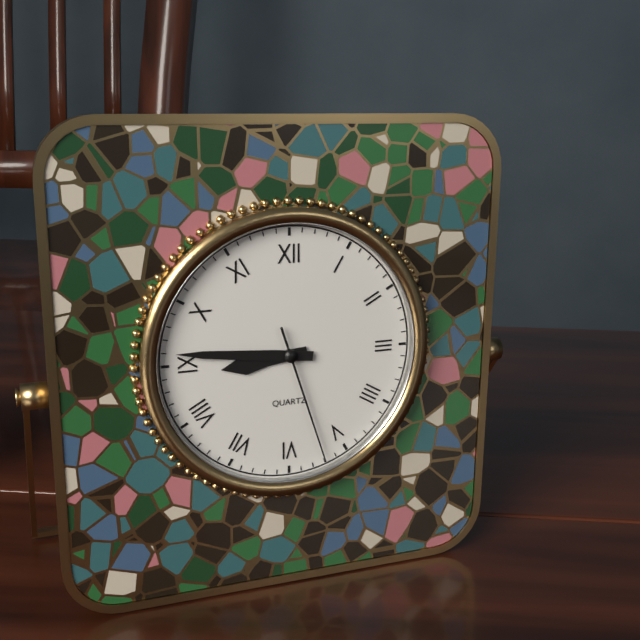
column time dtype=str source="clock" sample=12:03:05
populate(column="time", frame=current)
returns 8:46:27
